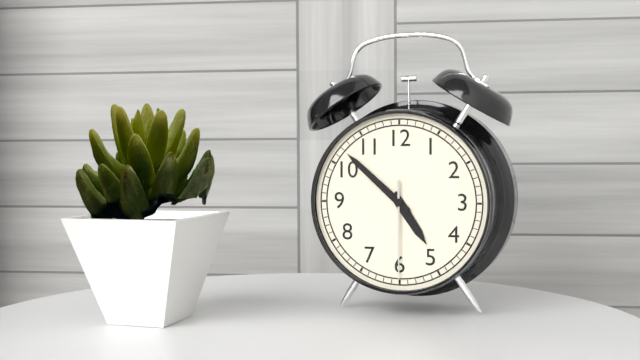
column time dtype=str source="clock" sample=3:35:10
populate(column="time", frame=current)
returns 4:52:30
